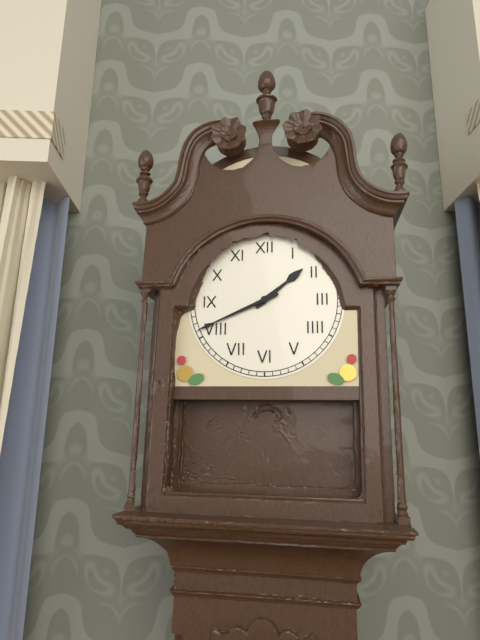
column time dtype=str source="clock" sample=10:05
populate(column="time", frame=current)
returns 1:41
